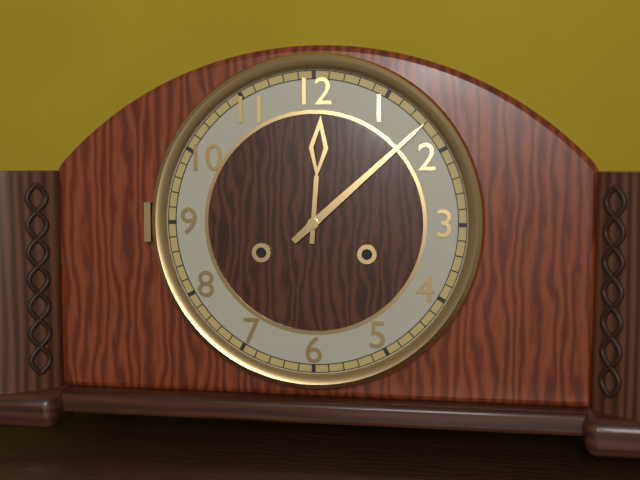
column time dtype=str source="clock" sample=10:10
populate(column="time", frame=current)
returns 12:08
